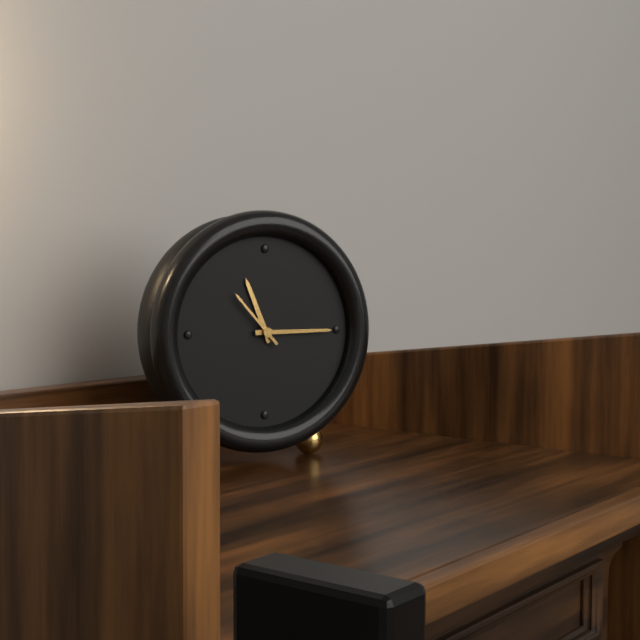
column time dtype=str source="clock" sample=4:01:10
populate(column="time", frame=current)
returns 11:15:53
